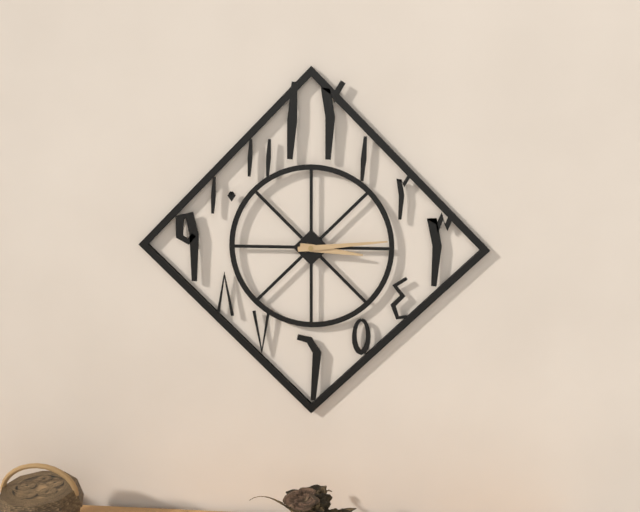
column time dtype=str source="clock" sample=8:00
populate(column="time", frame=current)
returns 3:14
